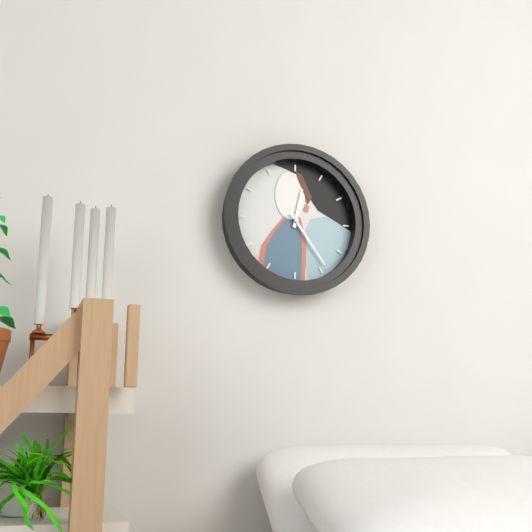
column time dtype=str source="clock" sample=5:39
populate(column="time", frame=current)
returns 12:24
